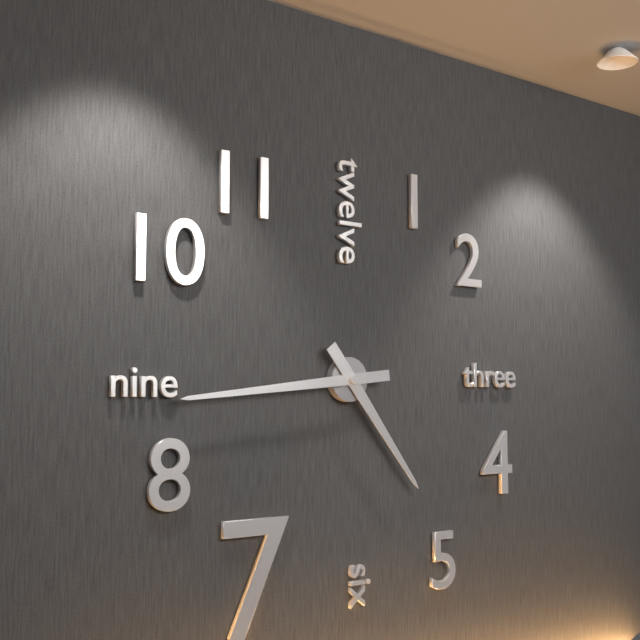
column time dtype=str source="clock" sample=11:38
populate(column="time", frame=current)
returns 4:44
